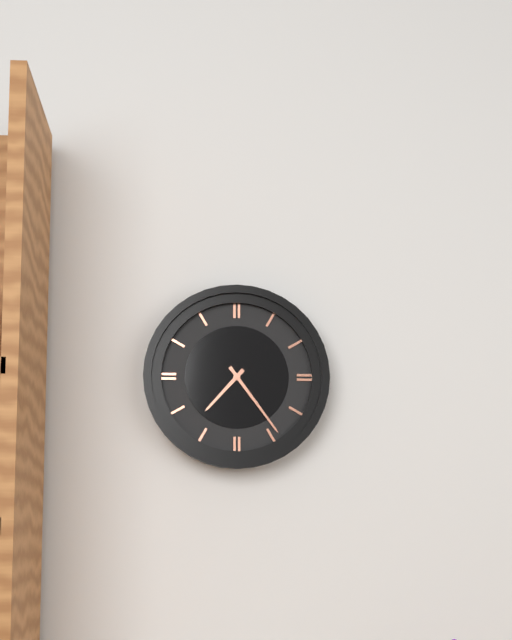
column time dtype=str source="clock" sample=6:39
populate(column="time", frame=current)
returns 7:24
